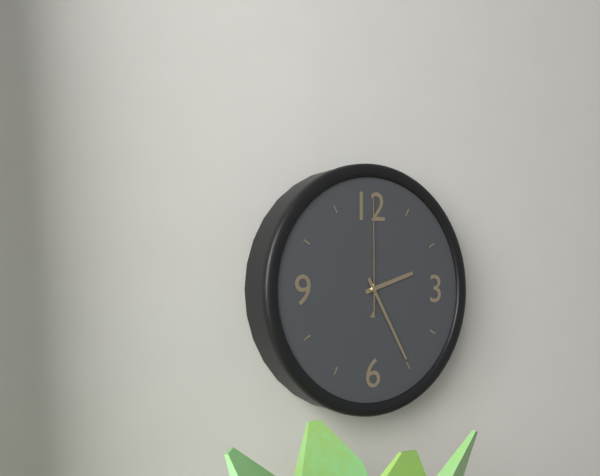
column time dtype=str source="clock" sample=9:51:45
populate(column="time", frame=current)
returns 2:25:00
